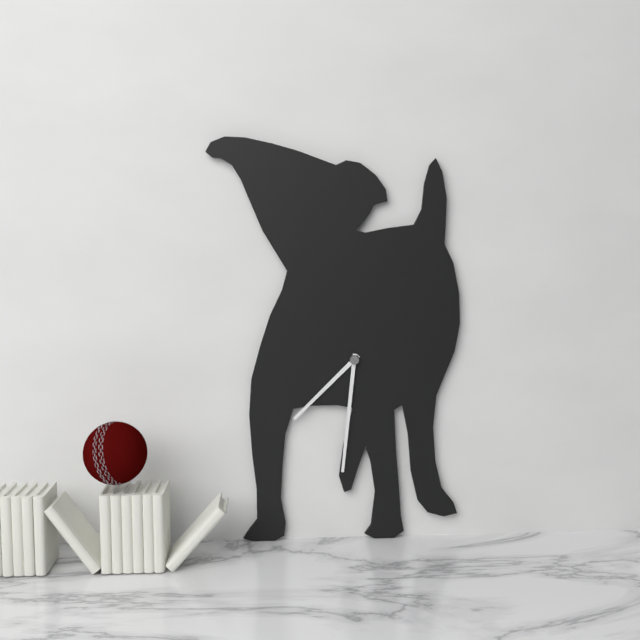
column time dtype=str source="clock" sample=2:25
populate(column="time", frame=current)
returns 7:31
